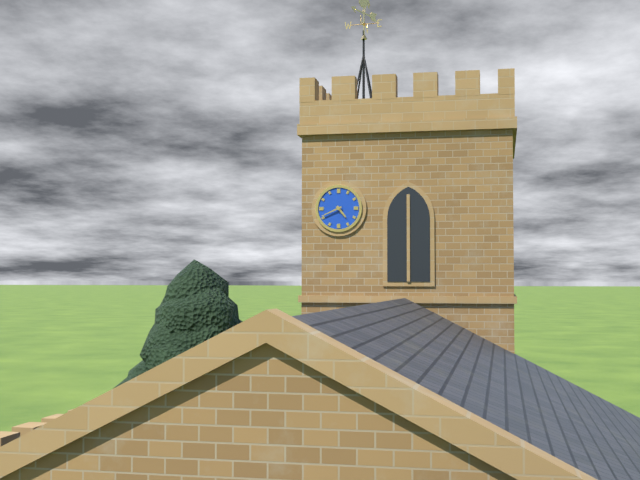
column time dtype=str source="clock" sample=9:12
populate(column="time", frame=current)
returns 4:41
